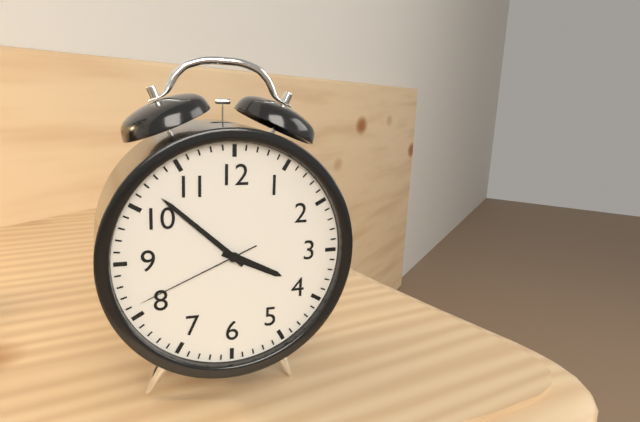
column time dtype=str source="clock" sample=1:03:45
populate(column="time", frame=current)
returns 3:52:41
